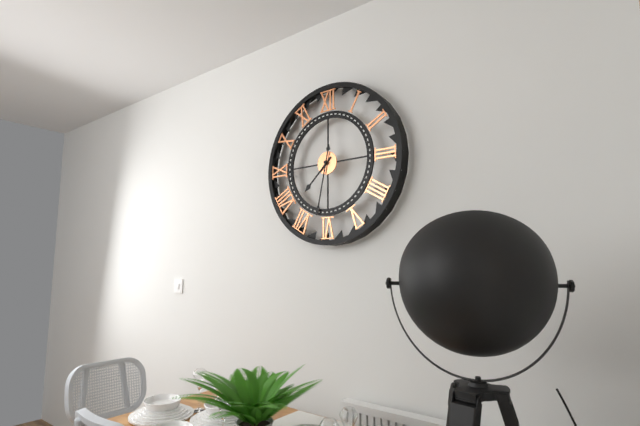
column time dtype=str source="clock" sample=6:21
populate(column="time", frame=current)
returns 7:32
